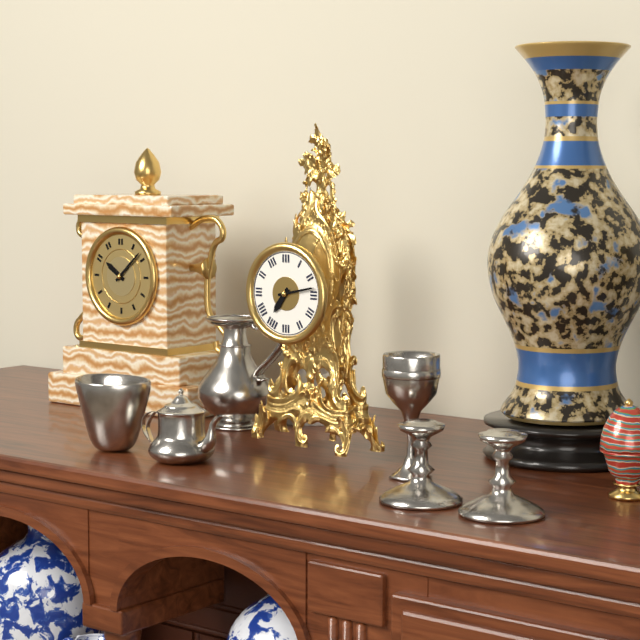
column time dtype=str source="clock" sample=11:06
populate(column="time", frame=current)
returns 7:13
